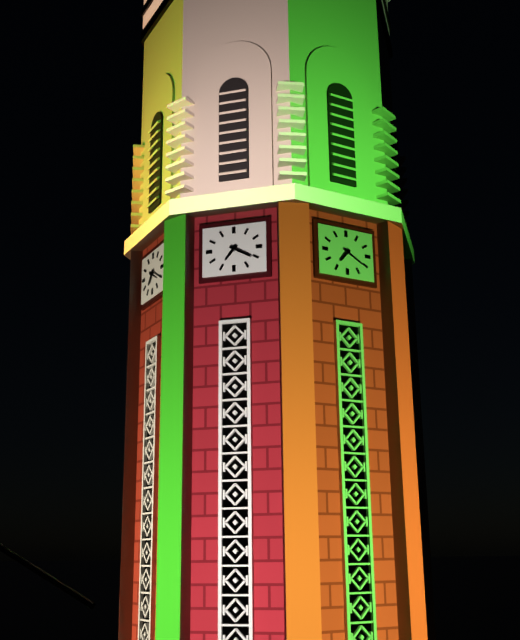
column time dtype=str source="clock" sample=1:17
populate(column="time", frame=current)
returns 7:20
